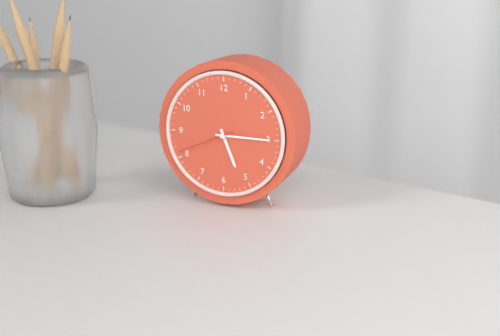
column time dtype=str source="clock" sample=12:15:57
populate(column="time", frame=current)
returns 5:15:41
